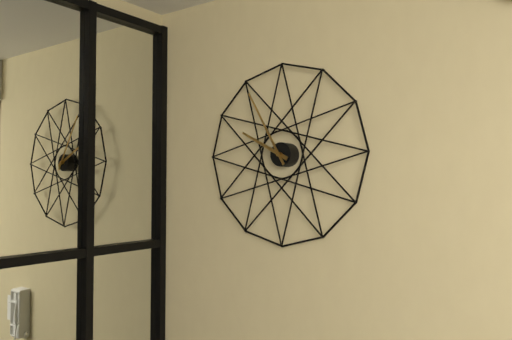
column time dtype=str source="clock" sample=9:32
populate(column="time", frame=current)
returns 9:55
